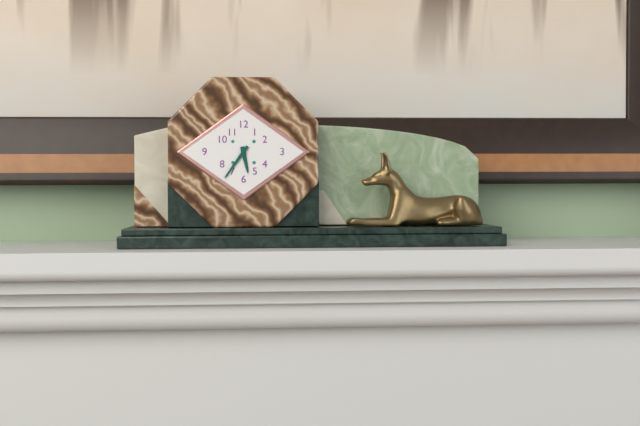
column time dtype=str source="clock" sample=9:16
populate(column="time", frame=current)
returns 5:36
